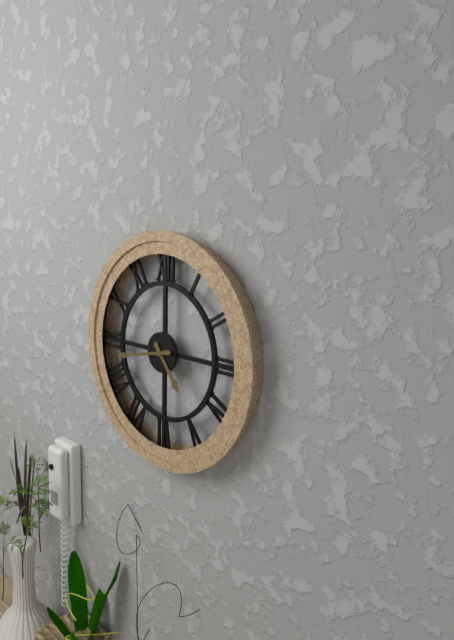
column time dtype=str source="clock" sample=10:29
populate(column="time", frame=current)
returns 4:43
